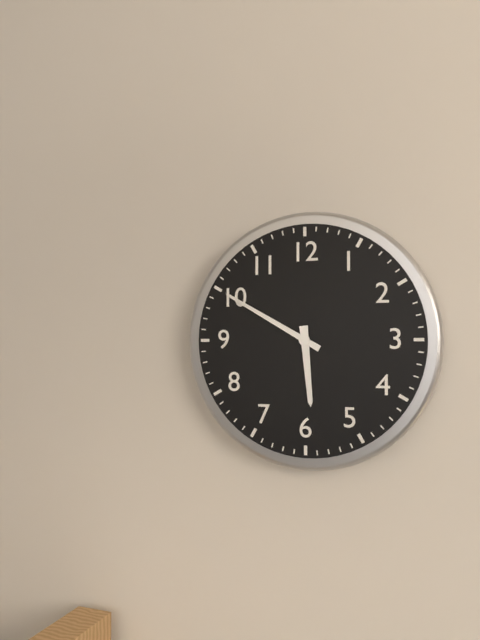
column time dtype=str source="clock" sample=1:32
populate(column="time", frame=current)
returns 5:50
